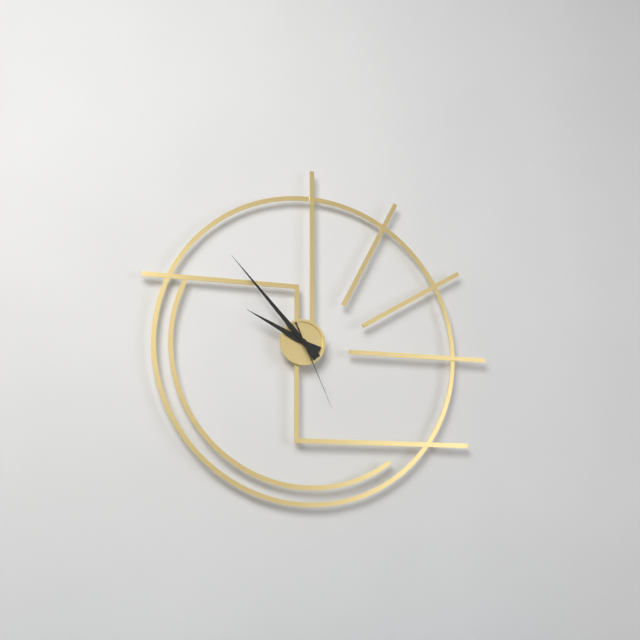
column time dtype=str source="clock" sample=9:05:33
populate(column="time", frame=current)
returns 9:53:26
